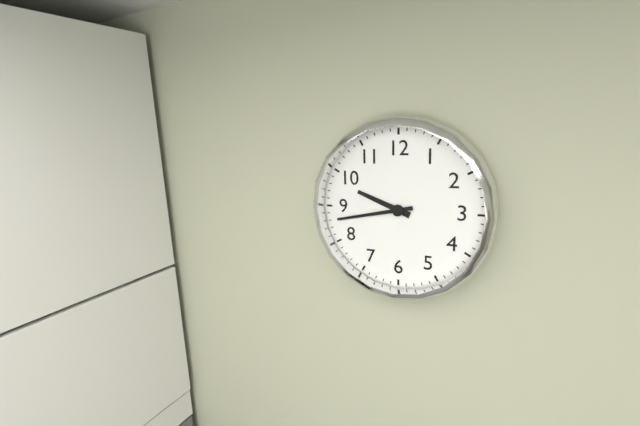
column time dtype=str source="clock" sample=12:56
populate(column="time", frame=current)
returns 9:43
